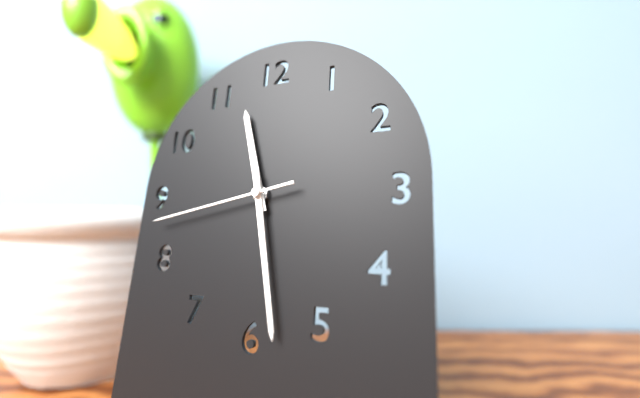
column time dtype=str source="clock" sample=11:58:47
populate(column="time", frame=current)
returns 11:28:43
